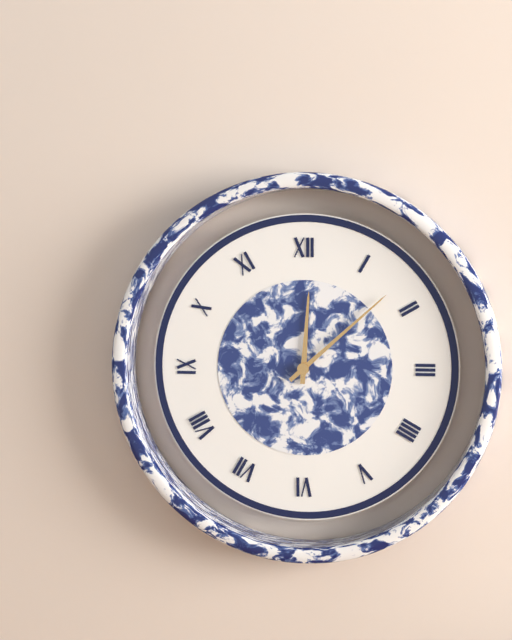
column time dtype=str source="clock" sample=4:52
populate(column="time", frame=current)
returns 12:08
